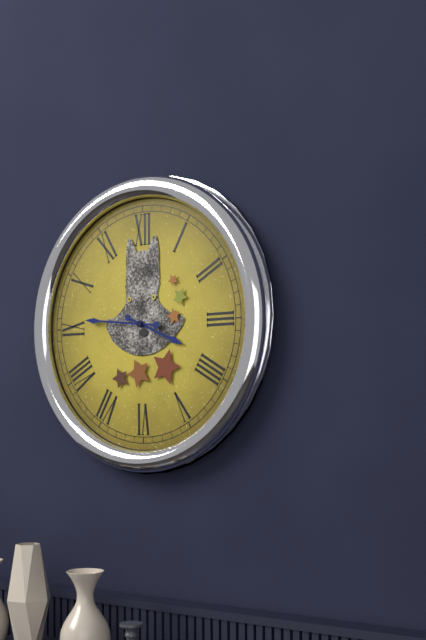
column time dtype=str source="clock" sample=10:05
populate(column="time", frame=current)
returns 3:46
